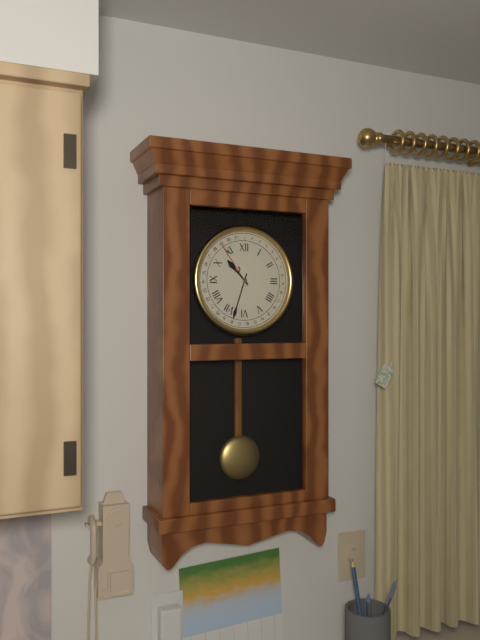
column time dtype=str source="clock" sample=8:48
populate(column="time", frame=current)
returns 10:33
